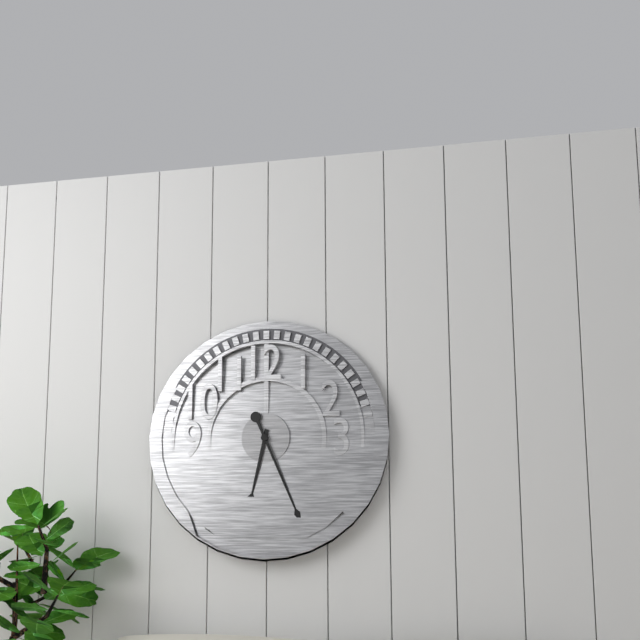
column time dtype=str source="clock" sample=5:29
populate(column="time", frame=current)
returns 6:26
